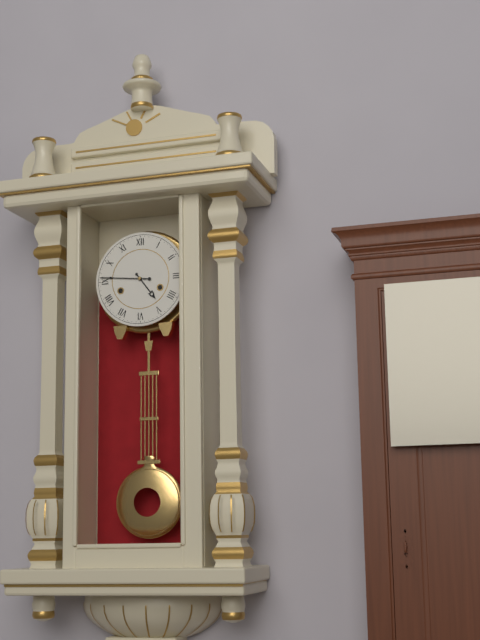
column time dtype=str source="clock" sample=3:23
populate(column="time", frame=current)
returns 4:46
